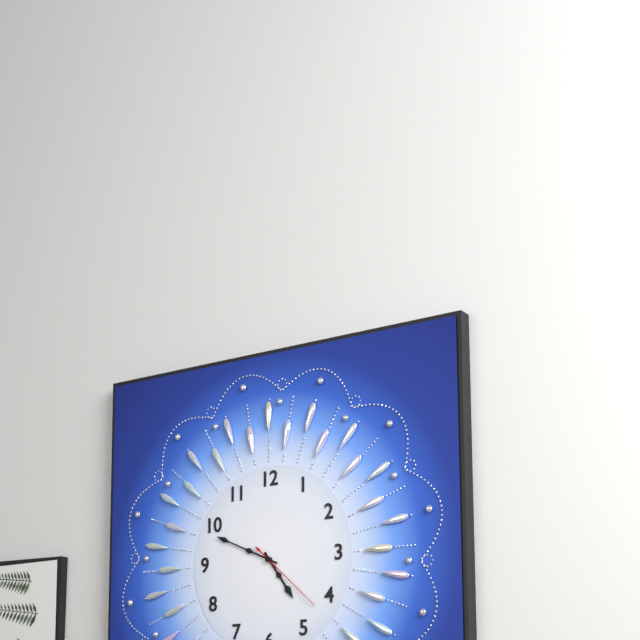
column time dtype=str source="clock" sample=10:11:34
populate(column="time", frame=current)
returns 4:49:22
